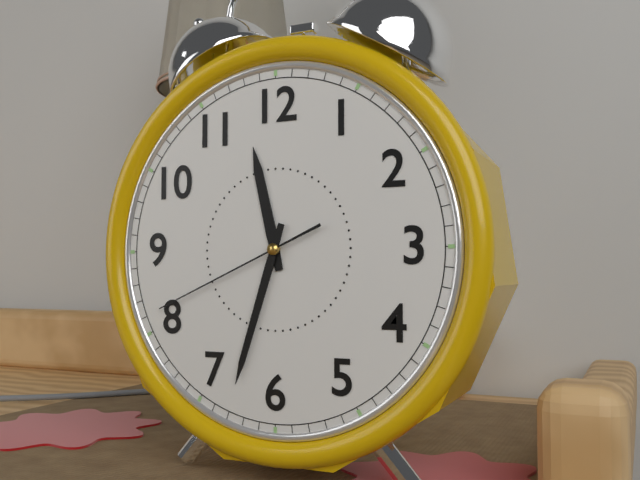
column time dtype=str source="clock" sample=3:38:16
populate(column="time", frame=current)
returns 11:33:41
